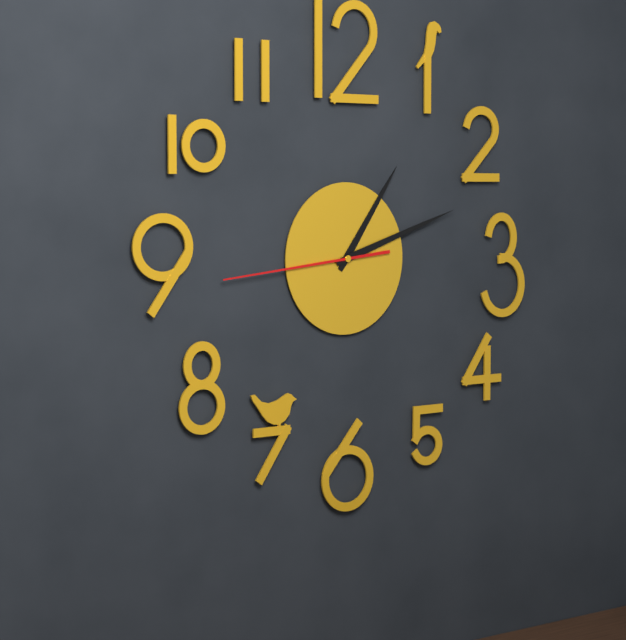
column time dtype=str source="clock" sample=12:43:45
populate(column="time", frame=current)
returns 1:12:44
